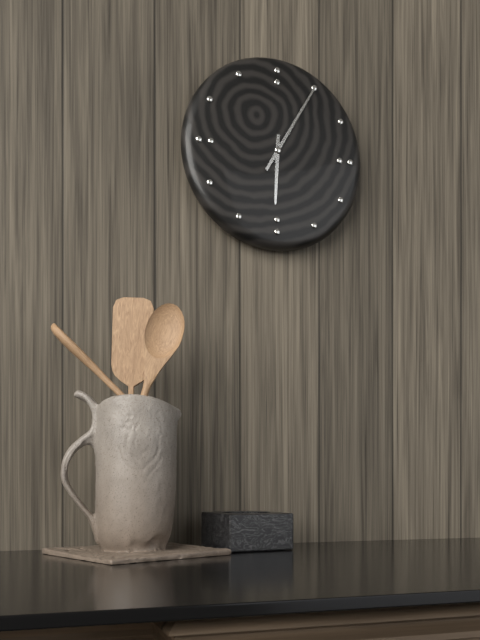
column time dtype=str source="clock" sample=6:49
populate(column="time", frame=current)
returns 6:05
